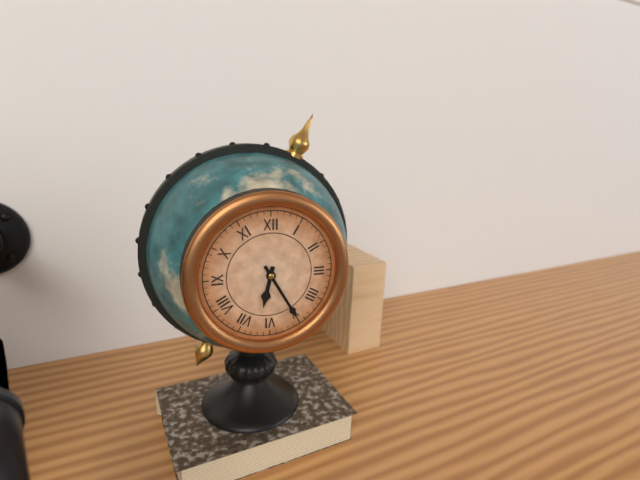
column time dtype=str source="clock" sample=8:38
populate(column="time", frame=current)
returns 6:25
